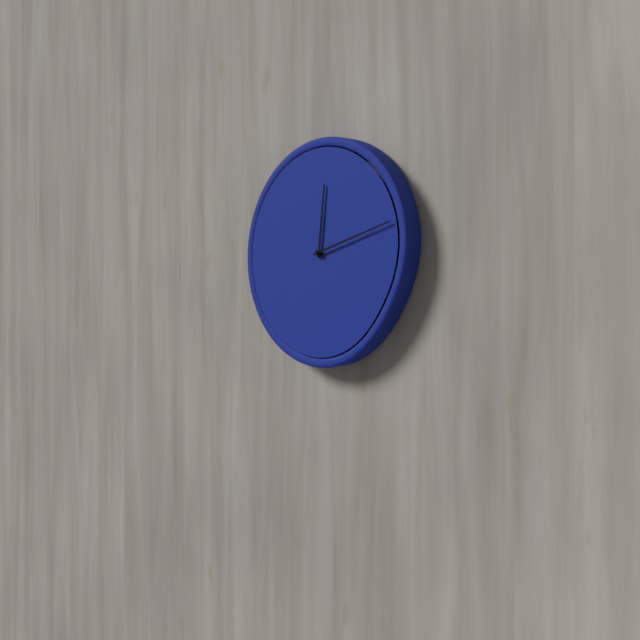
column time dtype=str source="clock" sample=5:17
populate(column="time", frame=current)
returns 12:12
